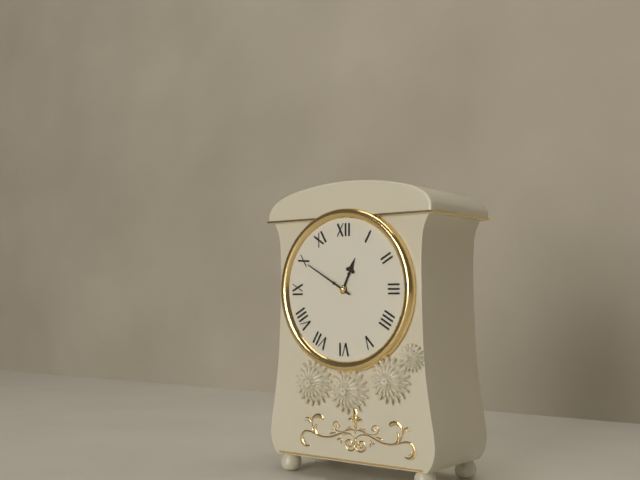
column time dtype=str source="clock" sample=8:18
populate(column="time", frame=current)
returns 12:50
